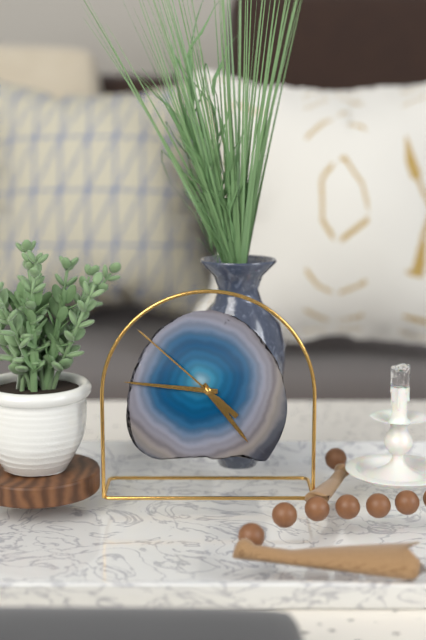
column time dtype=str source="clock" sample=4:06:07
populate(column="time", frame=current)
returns 4:46:52
